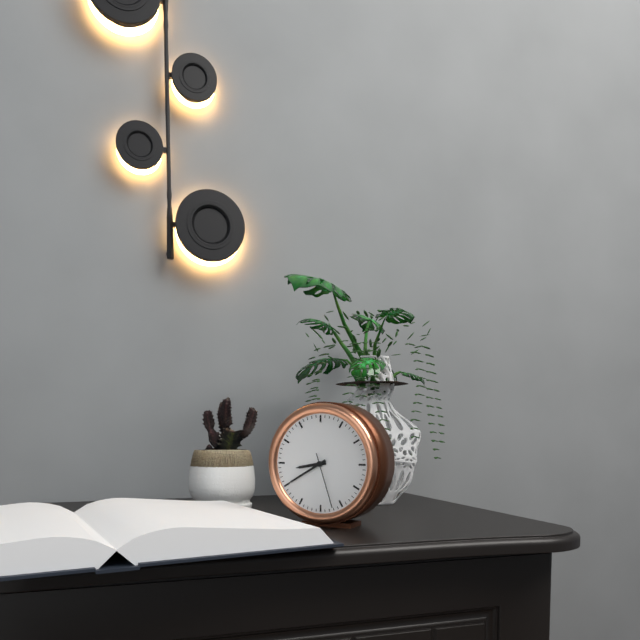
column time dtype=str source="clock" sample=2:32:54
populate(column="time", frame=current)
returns 8:40:27
